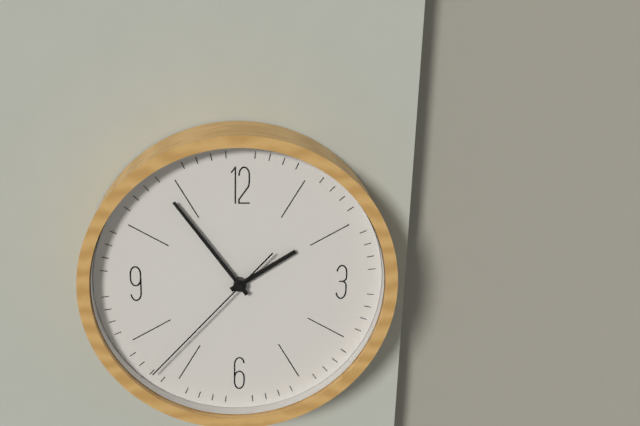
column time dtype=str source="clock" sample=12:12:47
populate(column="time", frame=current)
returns 1:54:37
